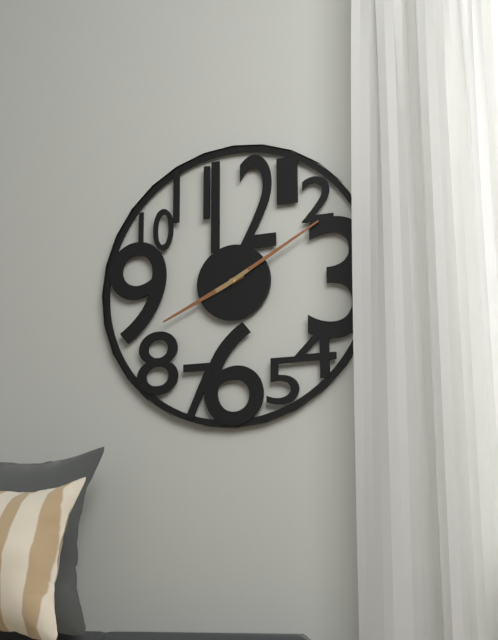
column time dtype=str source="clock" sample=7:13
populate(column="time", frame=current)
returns 8:10
